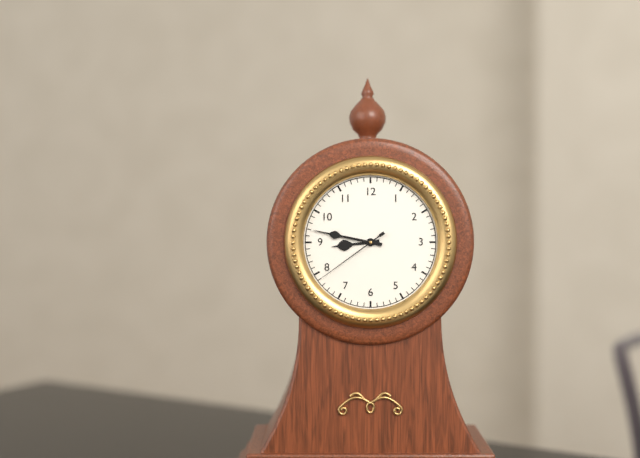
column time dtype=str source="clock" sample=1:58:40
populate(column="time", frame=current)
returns 8:47:39
